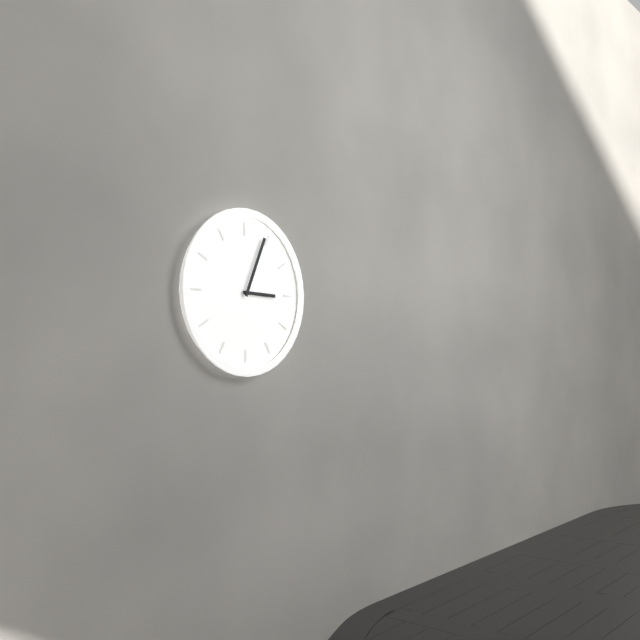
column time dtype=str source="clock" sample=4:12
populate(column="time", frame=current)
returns 3:04
